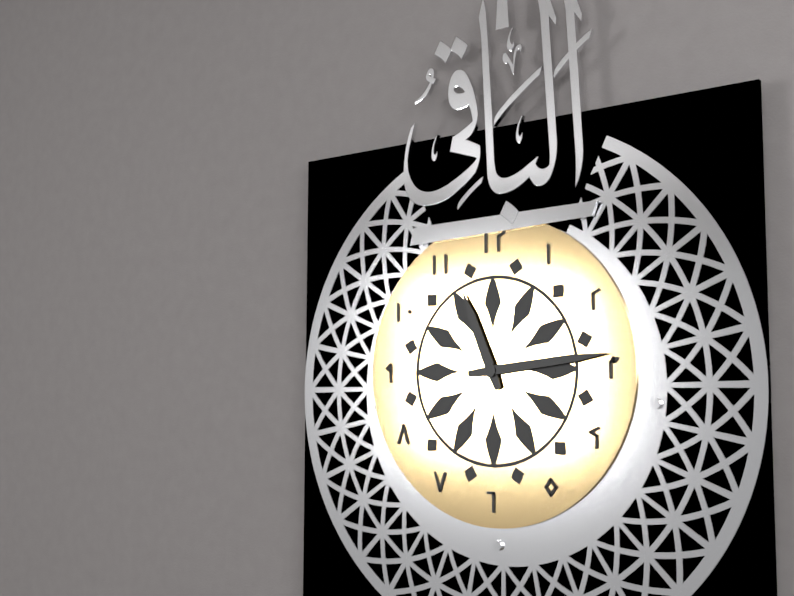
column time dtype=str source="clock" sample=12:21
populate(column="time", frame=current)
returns 11:14
